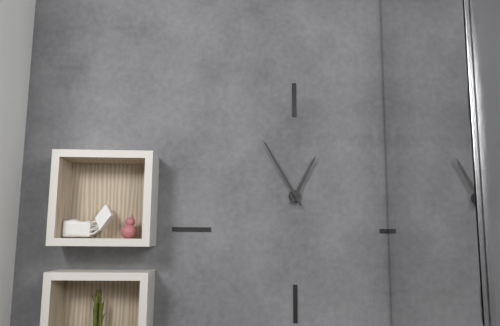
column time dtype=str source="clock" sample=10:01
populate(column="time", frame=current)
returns 12:55
